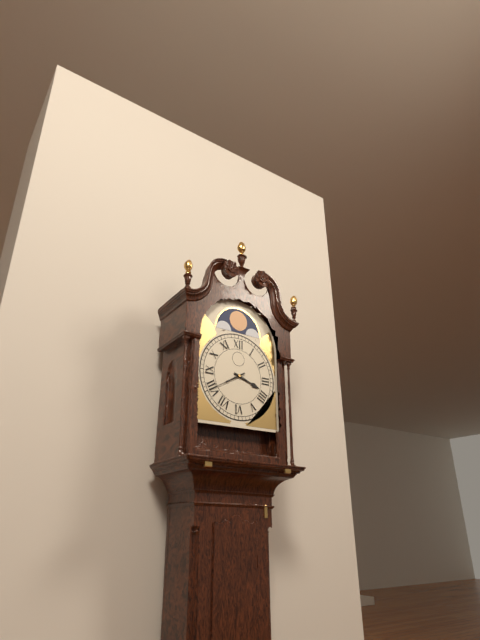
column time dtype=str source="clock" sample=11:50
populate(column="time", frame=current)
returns 3:40
